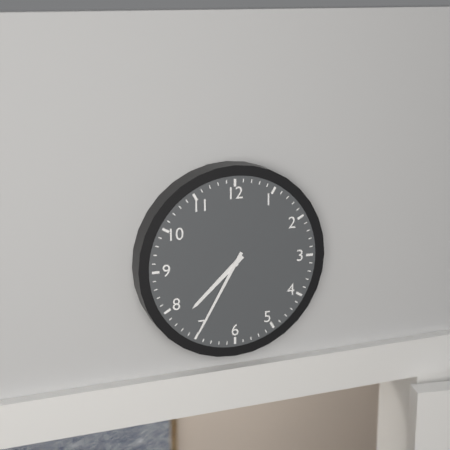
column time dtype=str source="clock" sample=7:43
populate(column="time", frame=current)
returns 7:35
